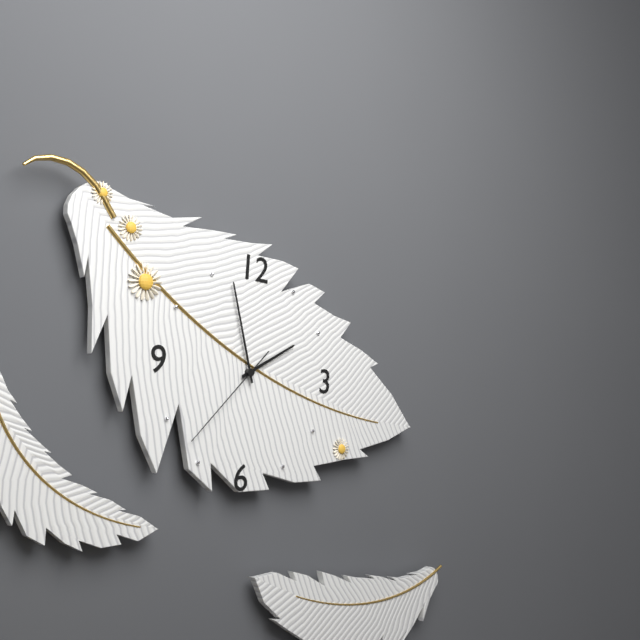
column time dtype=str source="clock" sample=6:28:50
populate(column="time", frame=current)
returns 1:57:37
